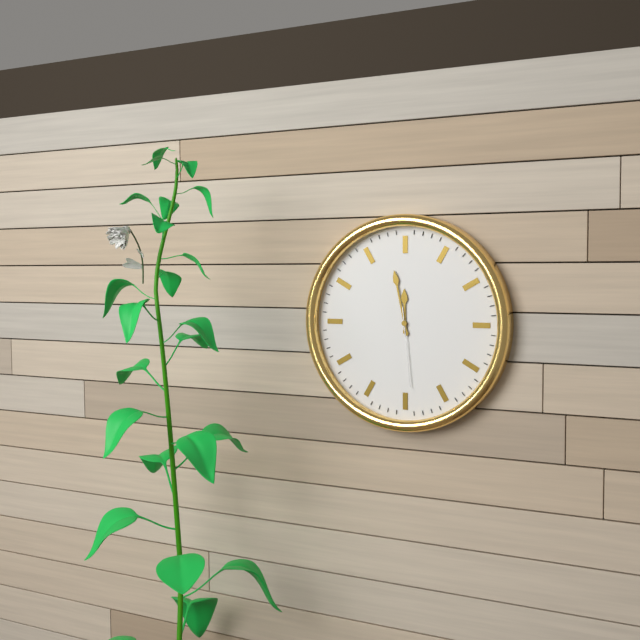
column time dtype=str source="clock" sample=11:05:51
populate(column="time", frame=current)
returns 11:58:29
